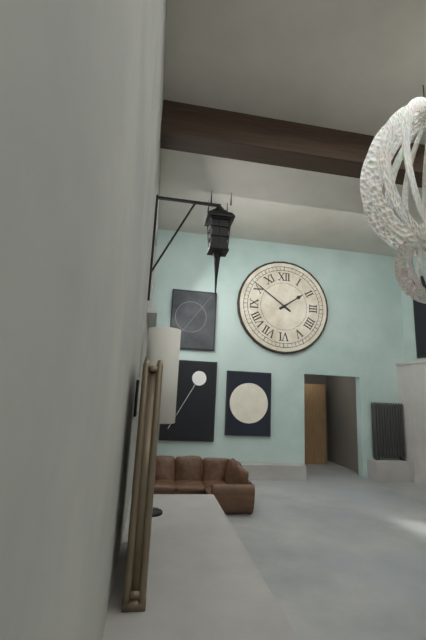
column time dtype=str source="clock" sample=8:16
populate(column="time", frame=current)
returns 1:51
